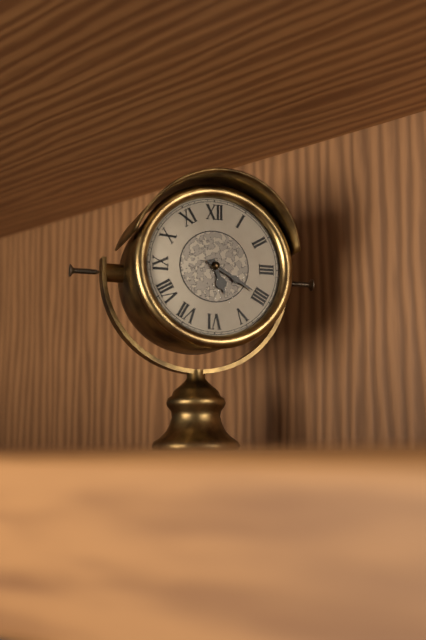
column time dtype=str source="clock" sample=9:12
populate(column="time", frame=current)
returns 5:20
